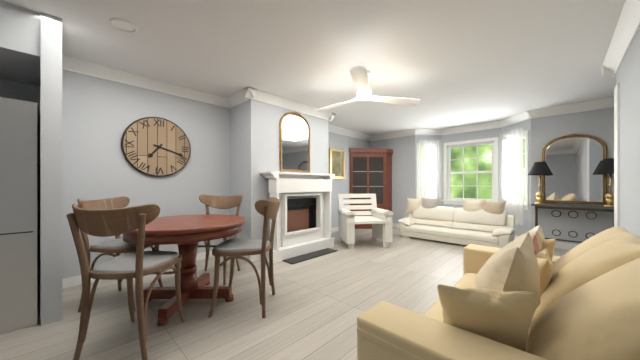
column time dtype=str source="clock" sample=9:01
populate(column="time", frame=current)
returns 7:18
